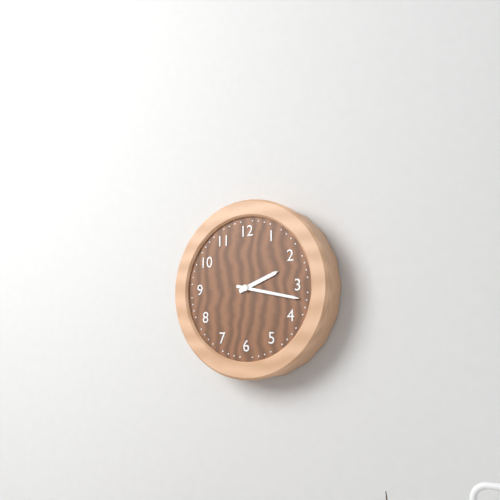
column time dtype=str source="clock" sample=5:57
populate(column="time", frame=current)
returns 2:17
